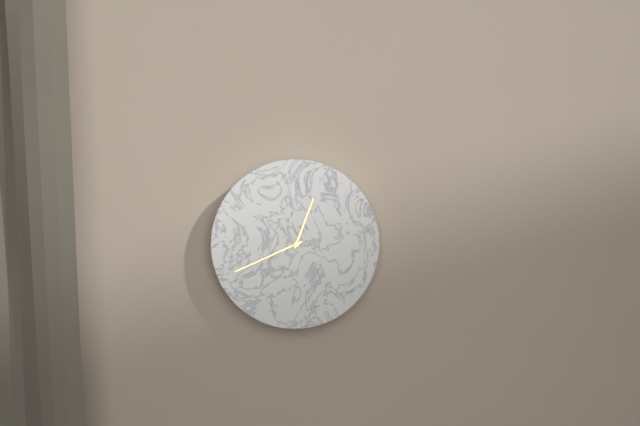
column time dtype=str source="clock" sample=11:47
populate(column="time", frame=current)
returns 12:41
